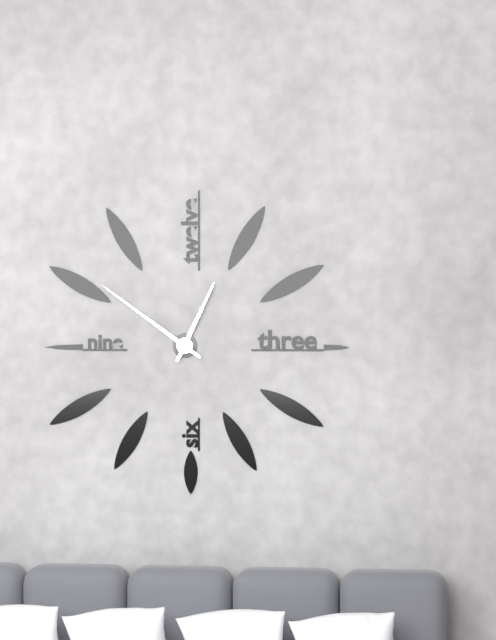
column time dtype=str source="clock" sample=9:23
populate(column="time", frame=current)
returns 12:51
